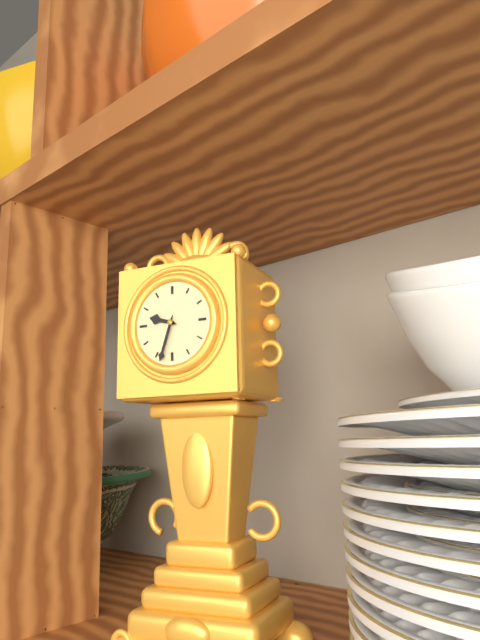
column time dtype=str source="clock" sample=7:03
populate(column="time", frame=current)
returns 9:33
